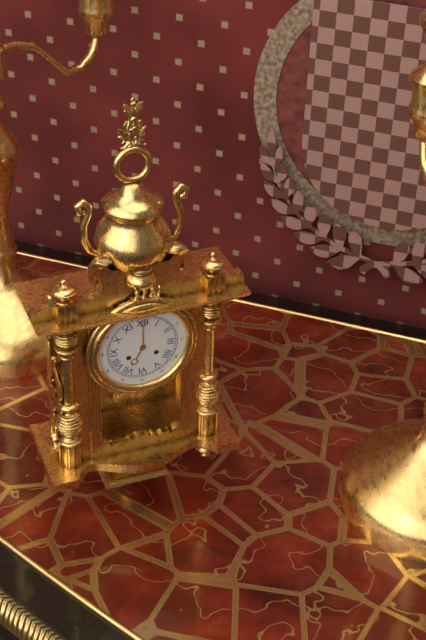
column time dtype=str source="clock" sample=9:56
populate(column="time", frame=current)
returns 7:00
